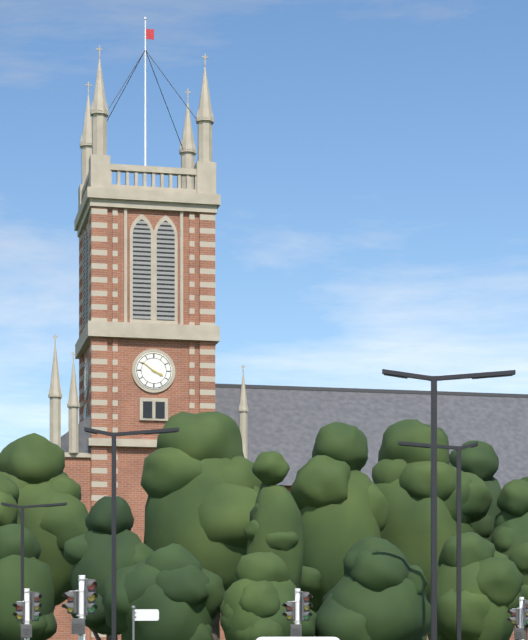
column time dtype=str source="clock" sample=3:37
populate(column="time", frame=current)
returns 3:51
